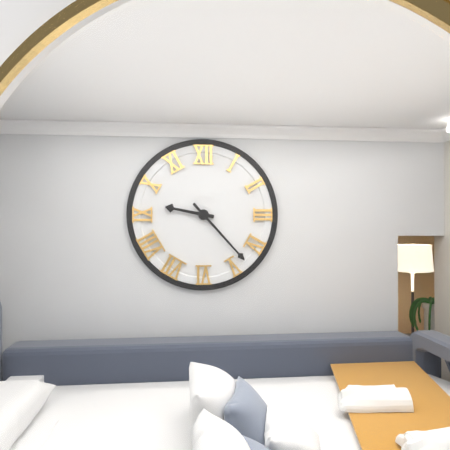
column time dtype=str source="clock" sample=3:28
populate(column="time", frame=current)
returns 9:23
